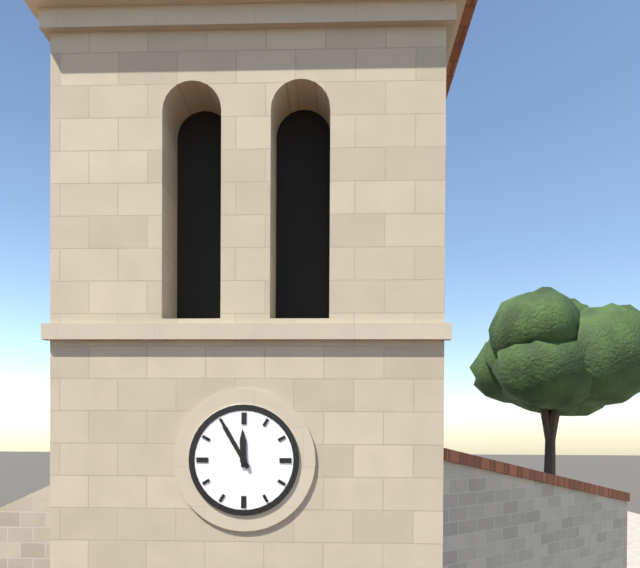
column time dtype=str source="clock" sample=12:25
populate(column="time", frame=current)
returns 11:55
